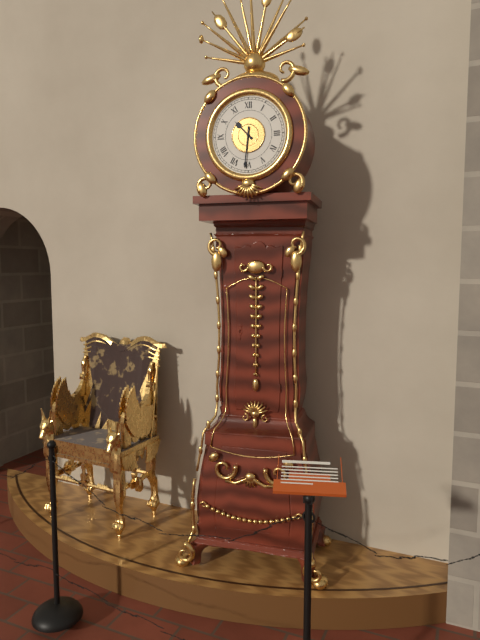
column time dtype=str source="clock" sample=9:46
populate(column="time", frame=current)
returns 10:31
